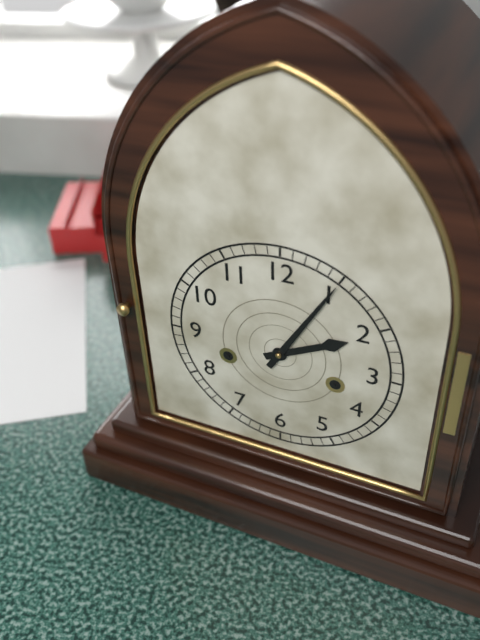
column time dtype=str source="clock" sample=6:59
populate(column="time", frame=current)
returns 2:05
